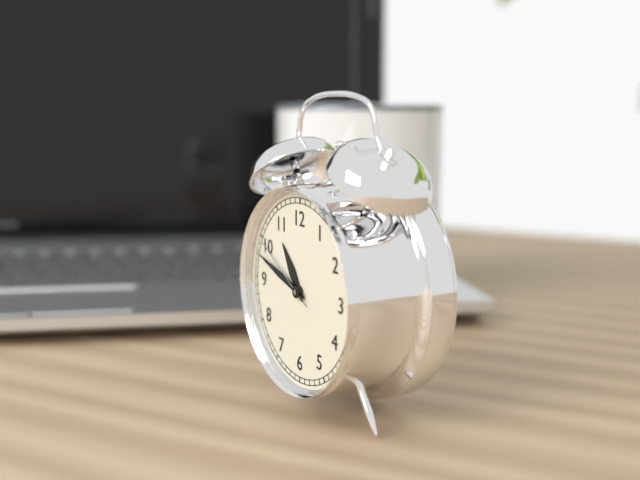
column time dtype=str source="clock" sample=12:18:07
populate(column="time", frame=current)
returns 10:48:50
